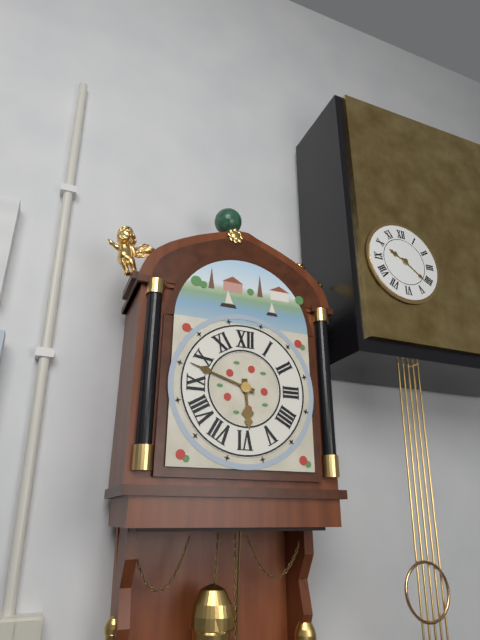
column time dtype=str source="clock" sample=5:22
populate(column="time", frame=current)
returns 5:48
